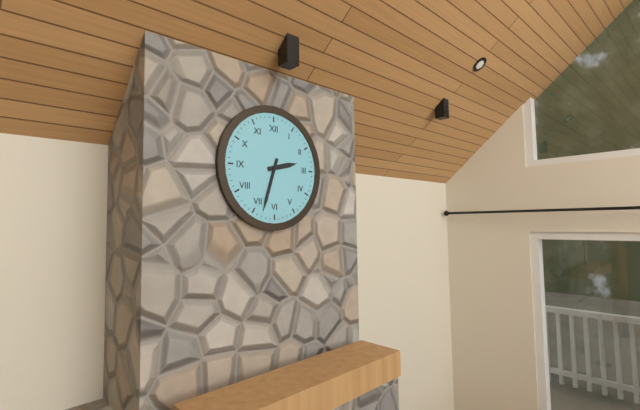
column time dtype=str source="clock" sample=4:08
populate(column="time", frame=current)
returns 2:33
